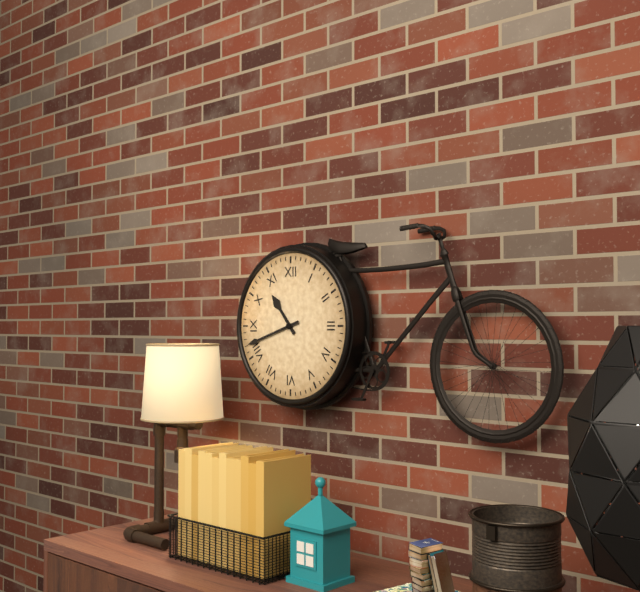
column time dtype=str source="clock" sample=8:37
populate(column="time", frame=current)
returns 10:42
